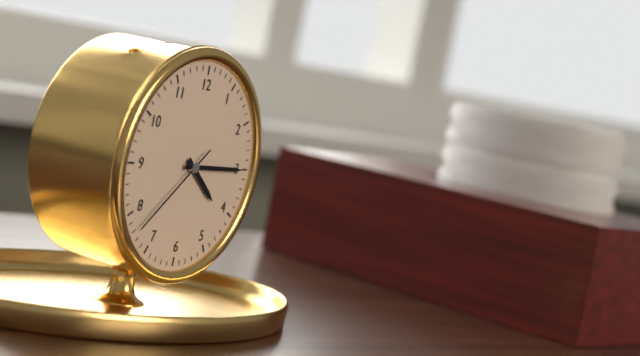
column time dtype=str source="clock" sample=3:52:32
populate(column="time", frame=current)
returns 4:15:38
